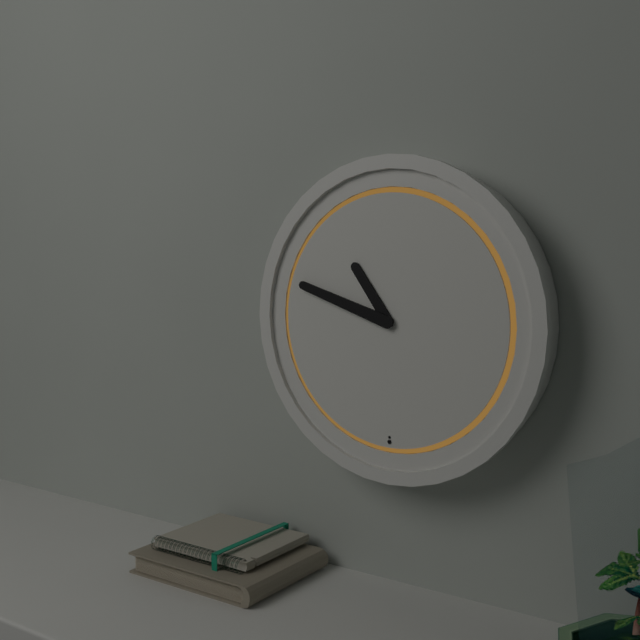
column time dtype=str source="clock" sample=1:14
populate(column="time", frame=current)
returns 10:48
